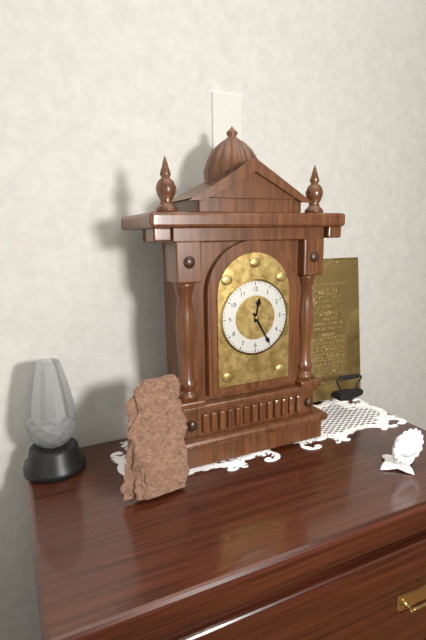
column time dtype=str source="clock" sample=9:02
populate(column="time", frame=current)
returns 12:25
